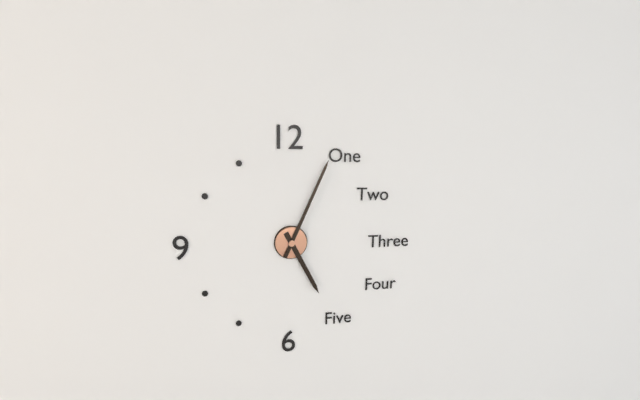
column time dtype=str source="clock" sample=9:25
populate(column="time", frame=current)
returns 5:04
